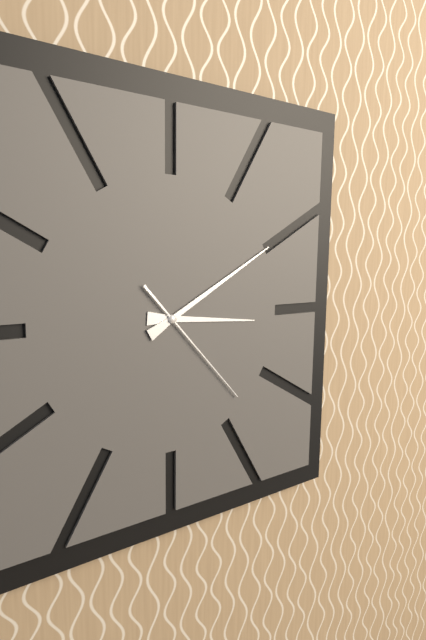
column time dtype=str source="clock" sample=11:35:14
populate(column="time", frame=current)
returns 3:10:23
